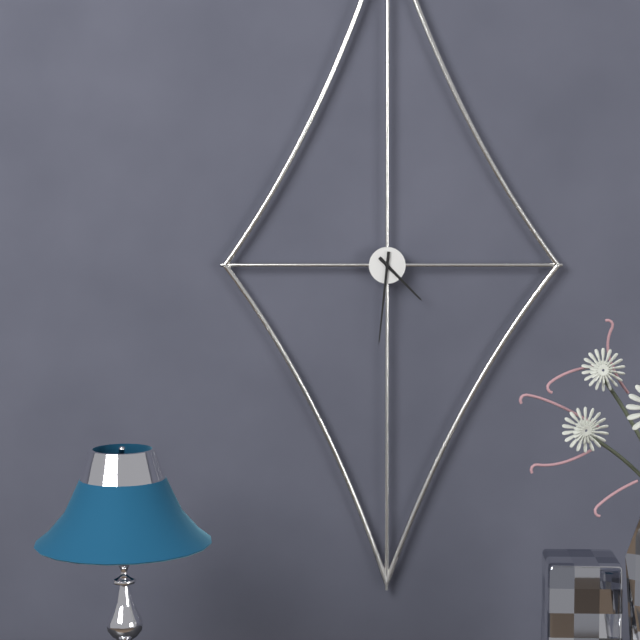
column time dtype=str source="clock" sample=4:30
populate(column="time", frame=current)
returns 4:31
